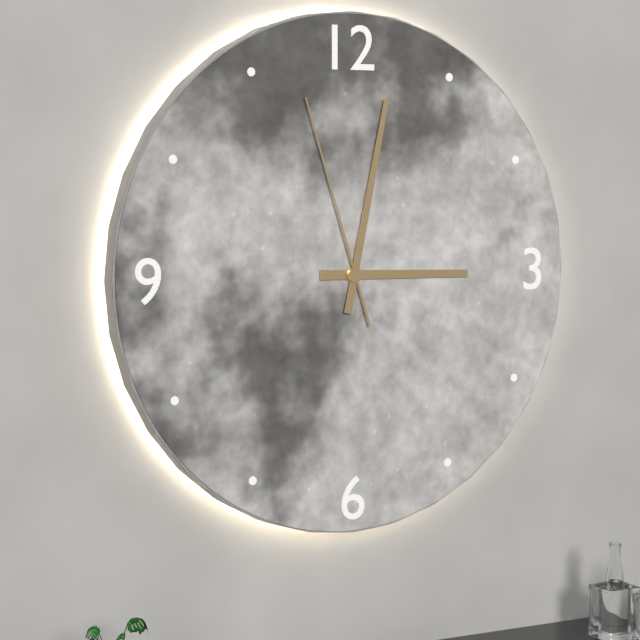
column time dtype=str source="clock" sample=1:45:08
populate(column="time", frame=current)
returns 3:02:57
